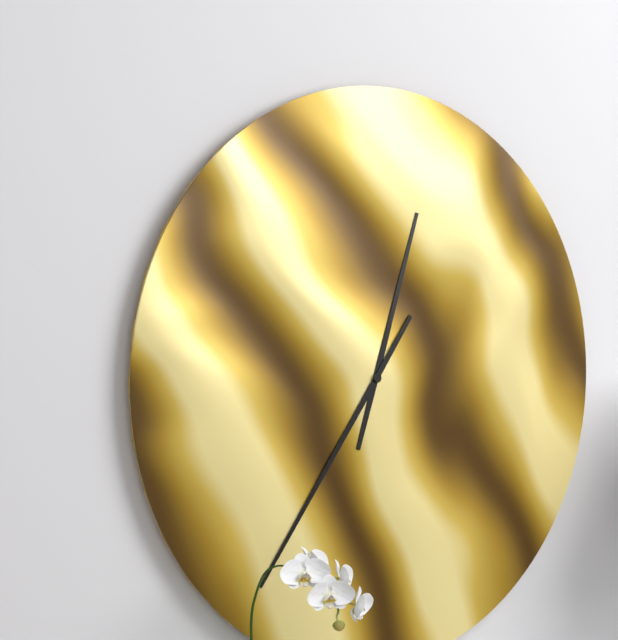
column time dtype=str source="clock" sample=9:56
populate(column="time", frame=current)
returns 12:36
